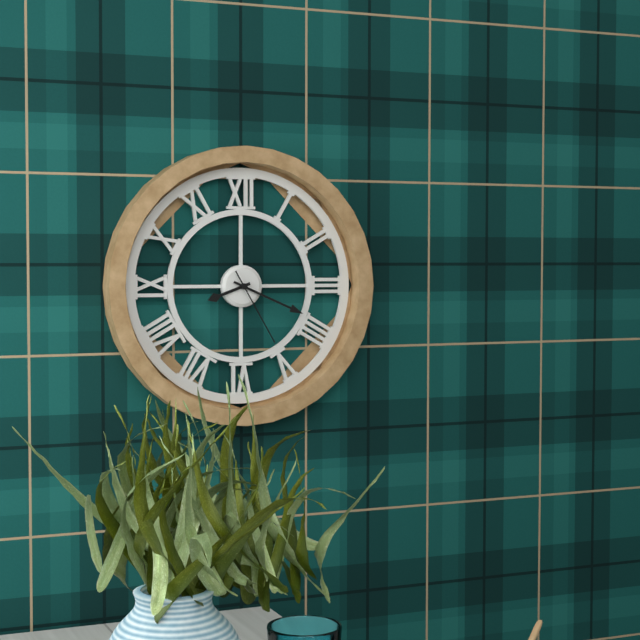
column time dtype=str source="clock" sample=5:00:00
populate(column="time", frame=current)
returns 8:19:25
